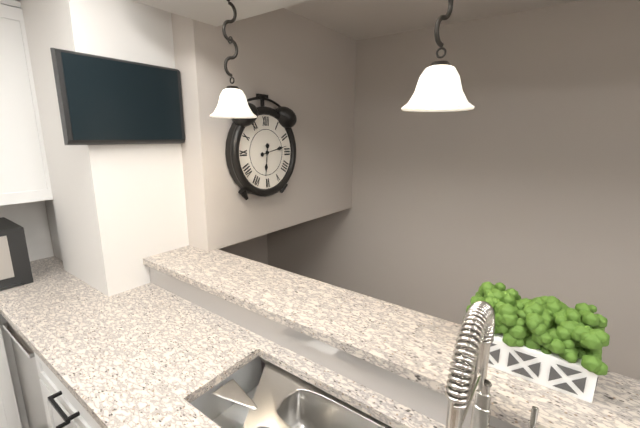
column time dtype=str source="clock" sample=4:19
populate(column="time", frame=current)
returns 6:13
